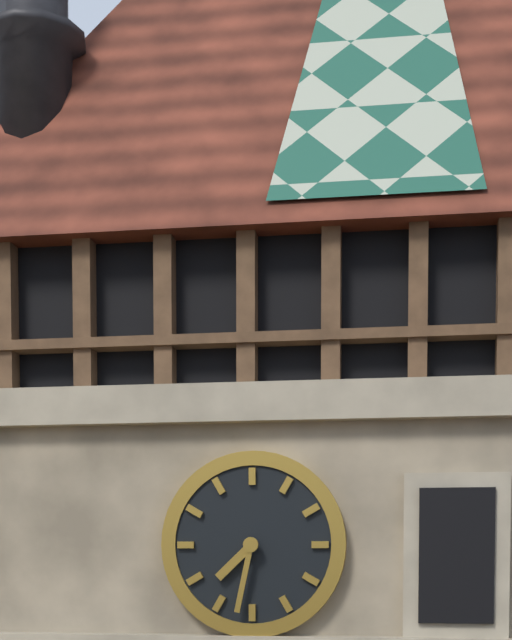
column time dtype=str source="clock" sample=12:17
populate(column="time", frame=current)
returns 7:32
